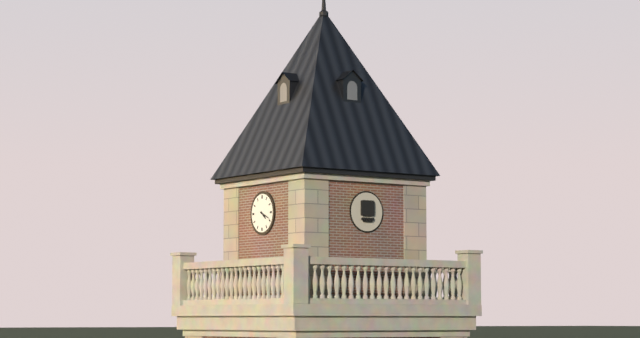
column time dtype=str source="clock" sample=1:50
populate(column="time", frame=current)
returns 4:19
